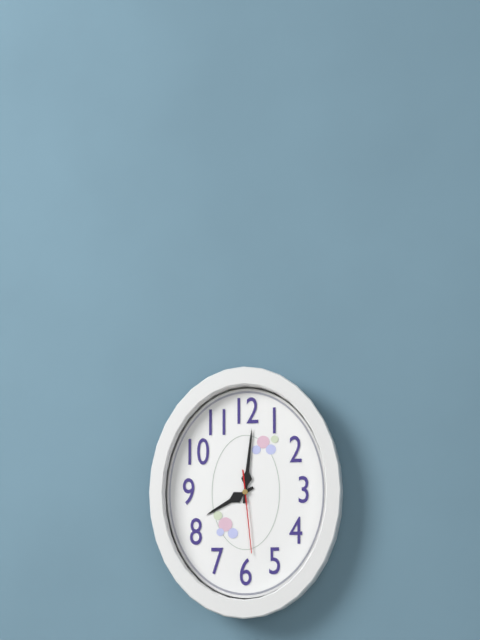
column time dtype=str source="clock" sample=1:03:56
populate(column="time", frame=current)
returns 8:01:29
